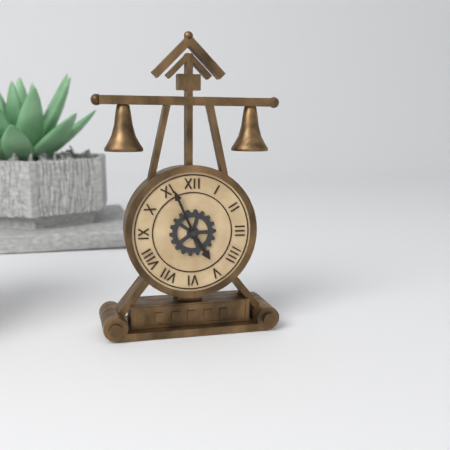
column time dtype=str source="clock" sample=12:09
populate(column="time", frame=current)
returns 4:56
